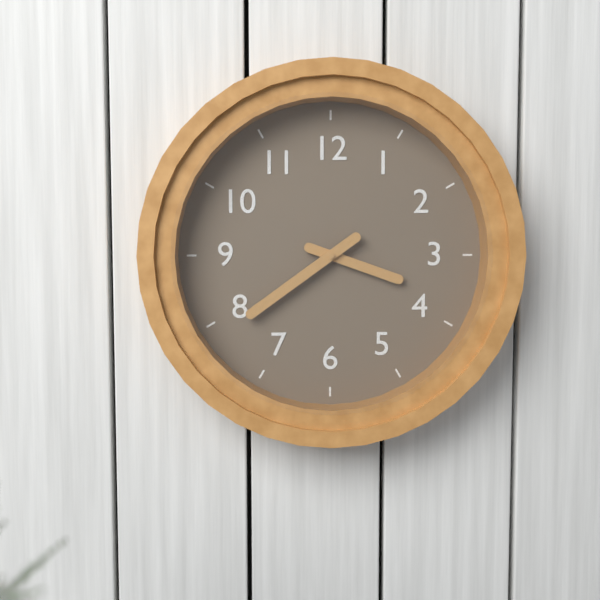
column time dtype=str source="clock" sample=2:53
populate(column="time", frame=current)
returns 3:39
